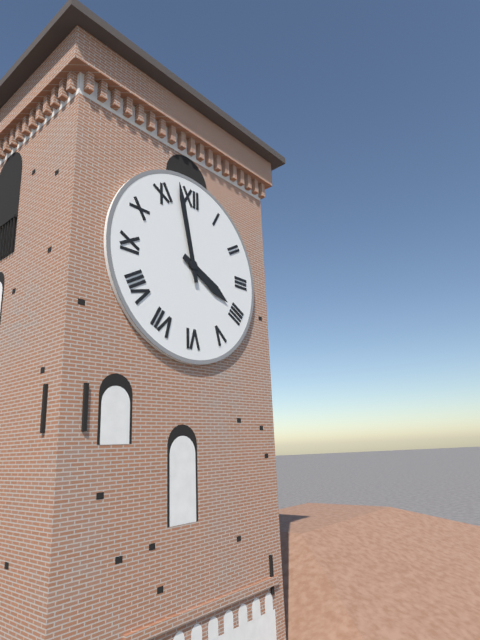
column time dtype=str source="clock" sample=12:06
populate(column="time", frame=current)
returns 3:58
